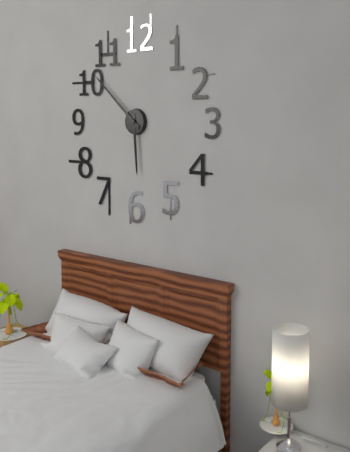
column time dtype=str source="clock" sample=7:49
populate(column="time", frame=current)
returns 5:52
